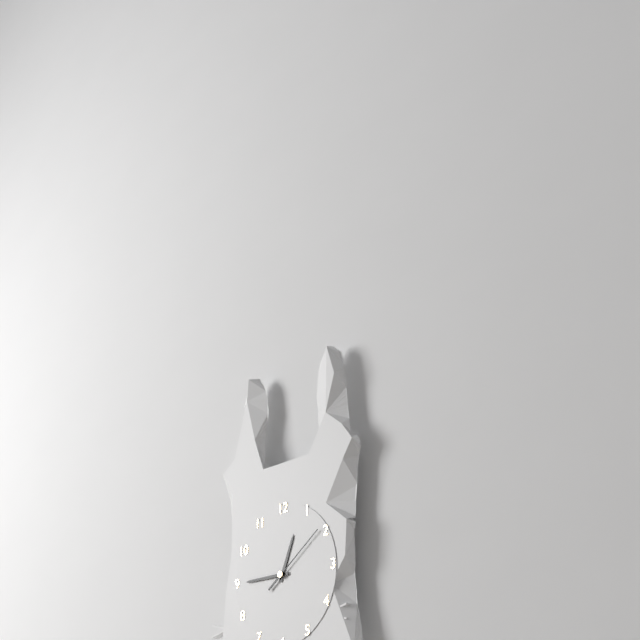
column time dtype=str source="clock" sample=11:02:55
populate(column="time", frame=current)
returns 12:45:09
